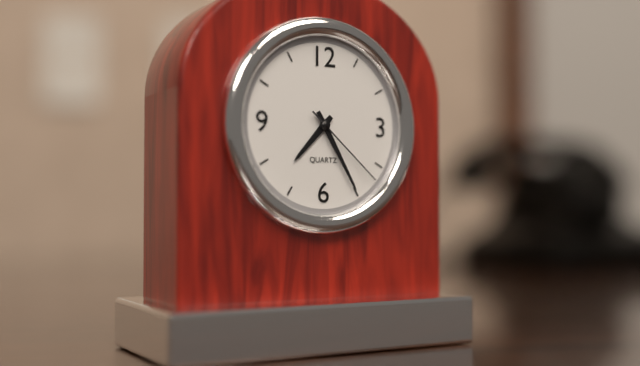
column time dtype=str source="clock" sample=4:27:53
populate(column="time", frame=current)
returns 7:25:22
